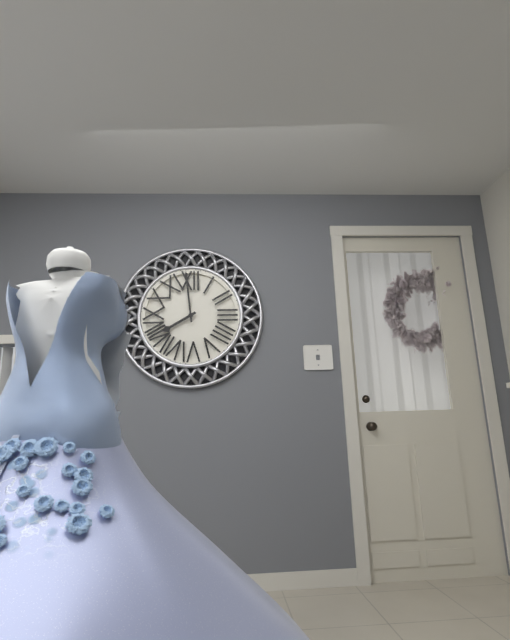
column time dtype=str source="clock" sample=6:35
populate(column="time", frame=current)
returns 7:59
